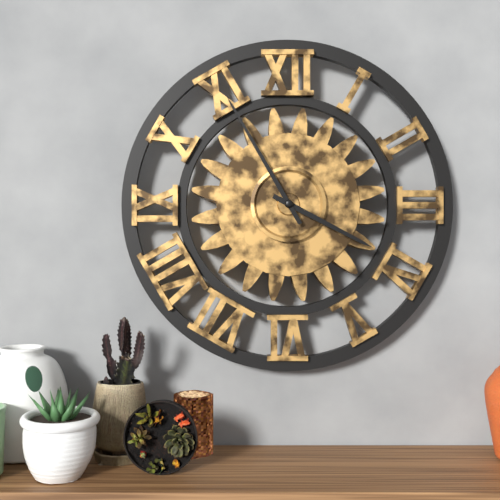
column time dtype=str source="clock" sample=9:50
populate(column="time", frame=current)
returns 3:55
